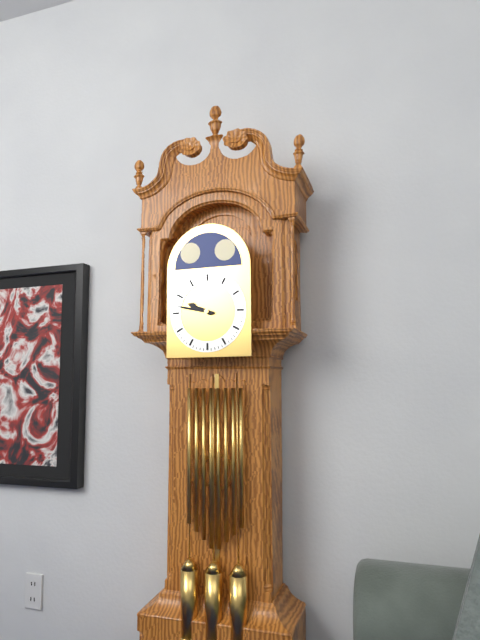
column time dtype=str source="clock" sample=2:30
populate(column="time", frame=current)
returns 9:47
